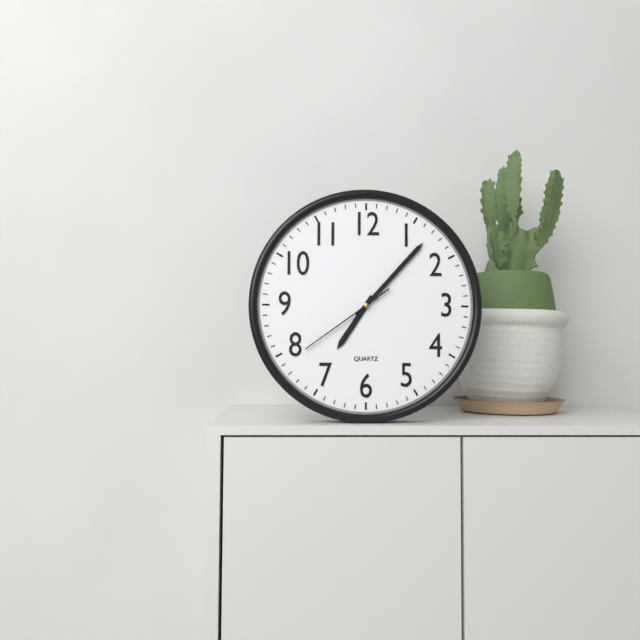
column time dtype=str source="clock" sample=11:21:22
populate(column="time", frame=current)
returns 7:07:39
